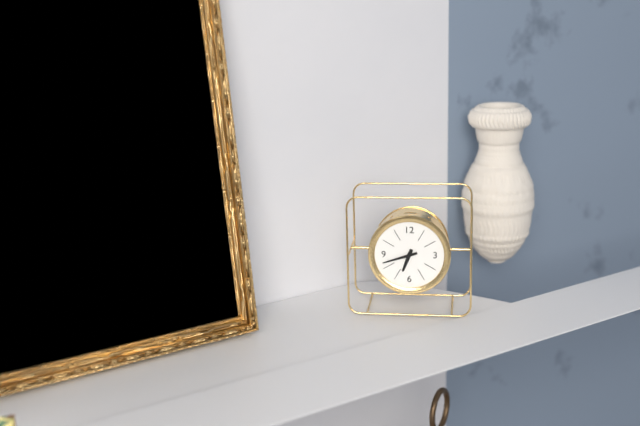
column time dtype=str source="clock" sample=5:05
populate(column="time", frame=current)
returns 6:42
